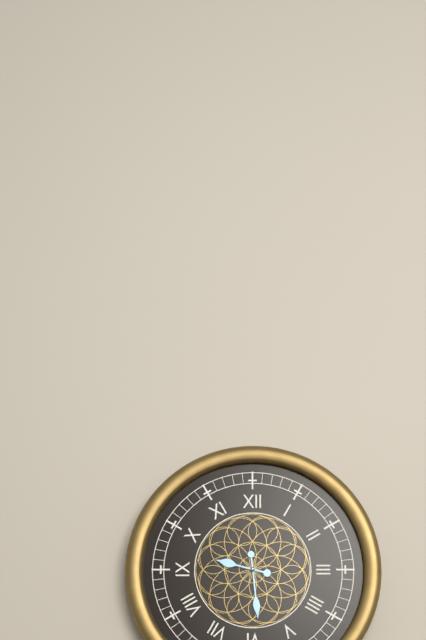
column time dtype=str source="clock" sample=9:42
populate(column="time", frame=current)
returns 9:29
